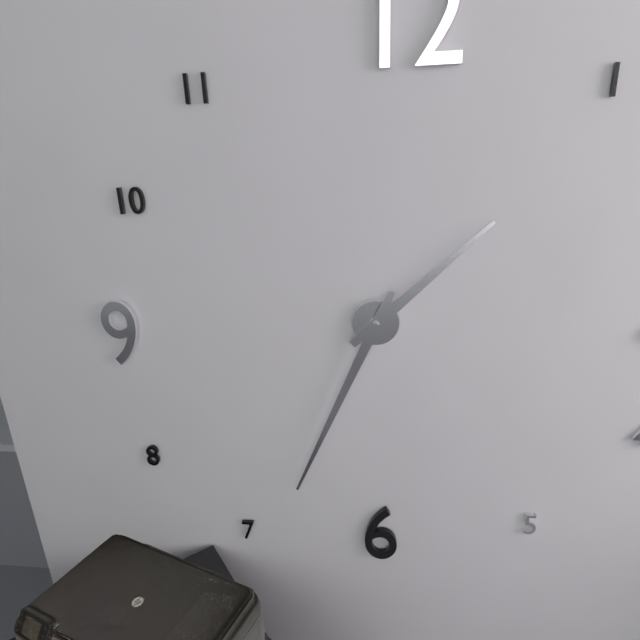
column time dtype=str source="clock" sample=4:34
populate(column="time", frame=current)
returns 1:34
